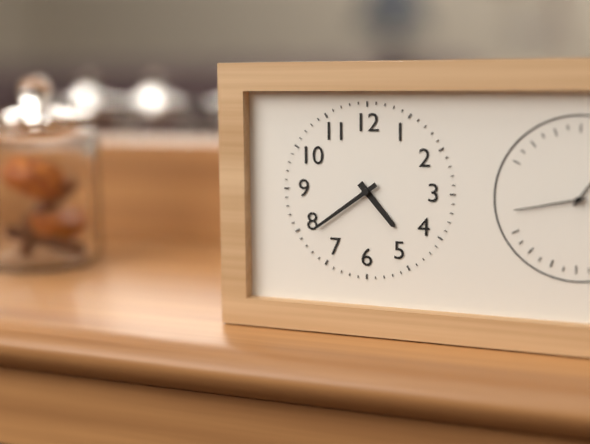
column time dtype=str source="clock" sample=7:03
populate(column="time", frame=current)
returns 4:39
